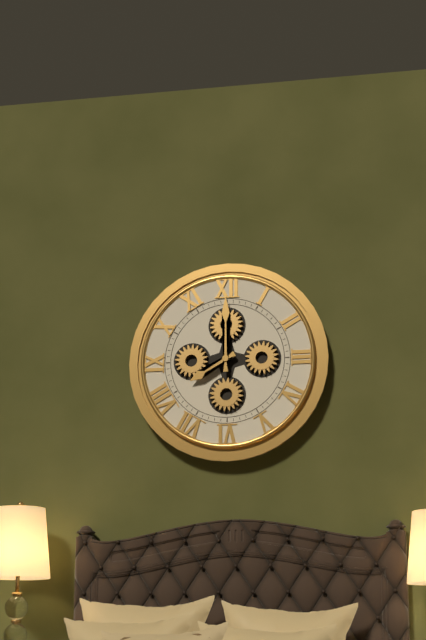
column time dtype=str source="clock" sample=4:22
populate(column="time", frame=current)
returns 8:00
